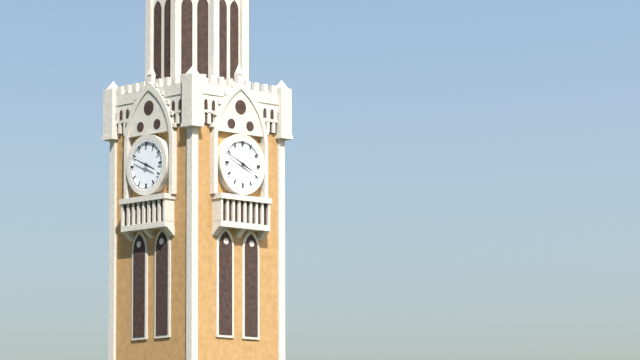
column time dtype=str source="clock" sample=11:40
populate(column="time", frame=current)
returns 3:49
